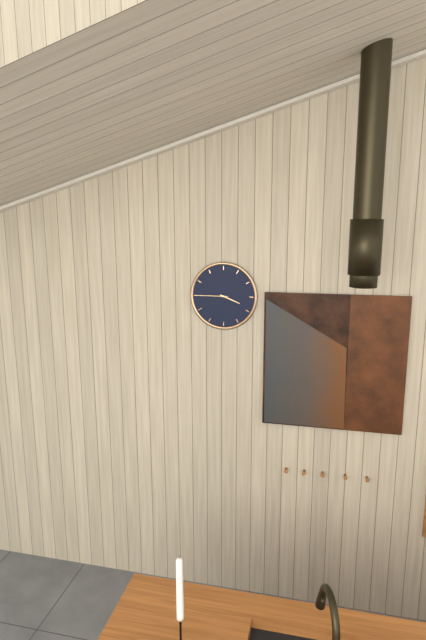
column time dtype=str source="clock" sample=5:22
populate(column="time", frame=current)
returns 3:45
